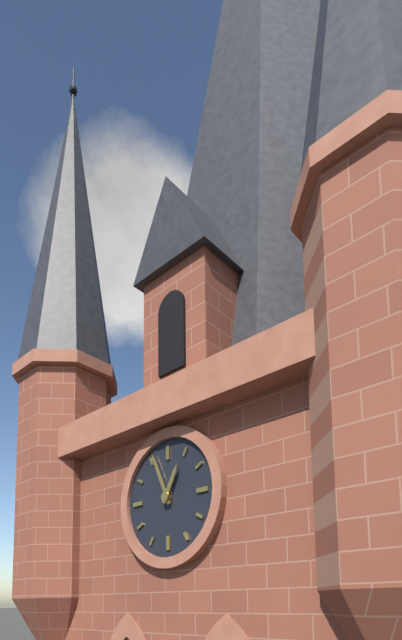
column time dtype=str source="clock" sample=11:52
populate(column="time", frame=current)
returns 12:56
